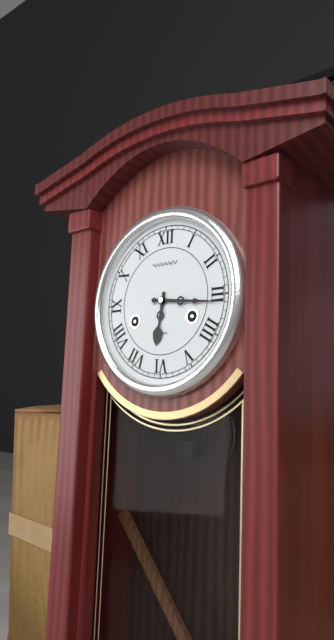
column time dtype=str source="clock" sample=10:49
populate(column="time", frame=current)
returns 6:16
